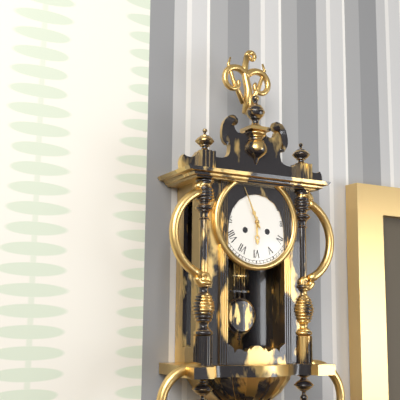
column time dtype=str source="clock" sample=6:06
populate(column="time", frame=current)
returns 5:56
